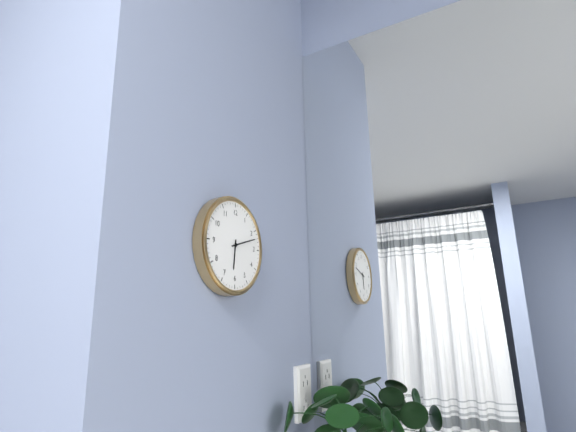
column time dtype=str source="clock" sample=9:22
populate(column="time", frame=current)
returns 6:12
